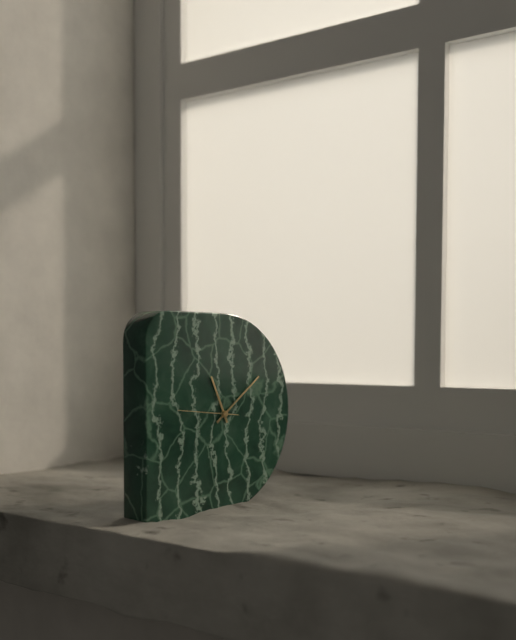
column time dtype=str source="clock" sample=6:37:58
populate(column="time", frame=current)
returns 11:09:46
